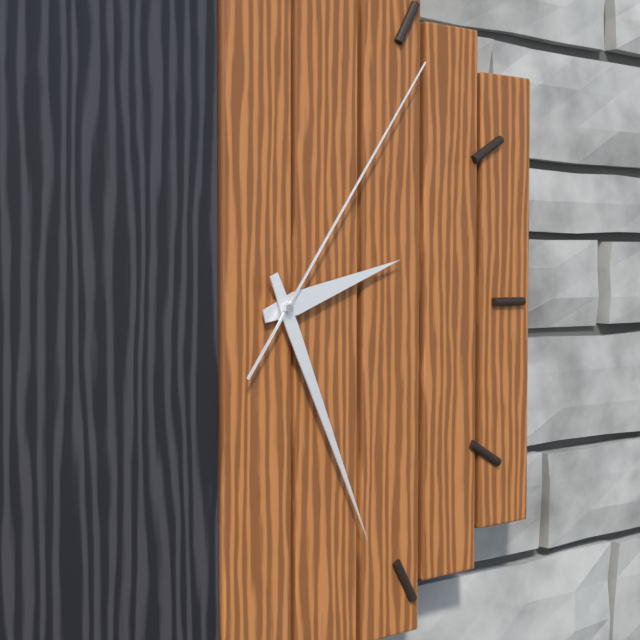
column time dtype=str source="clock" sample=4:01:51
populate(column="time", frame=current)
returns 2:26:06
